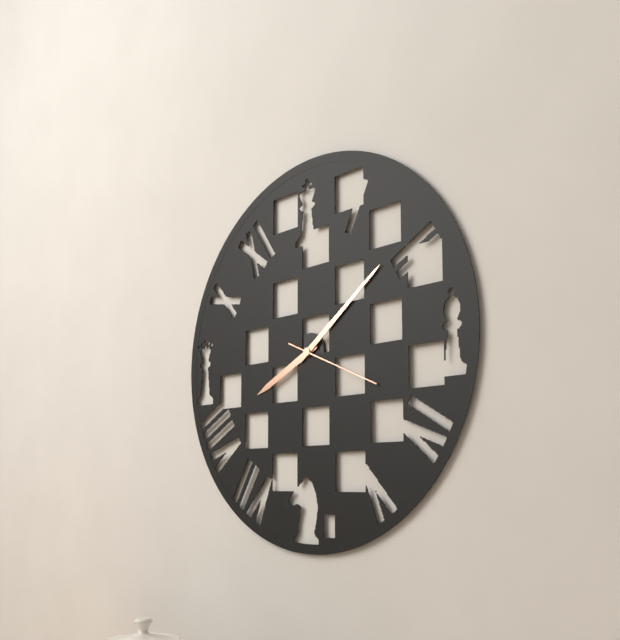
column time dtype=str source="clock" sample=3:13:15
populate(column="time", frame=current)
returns 8:09:19
